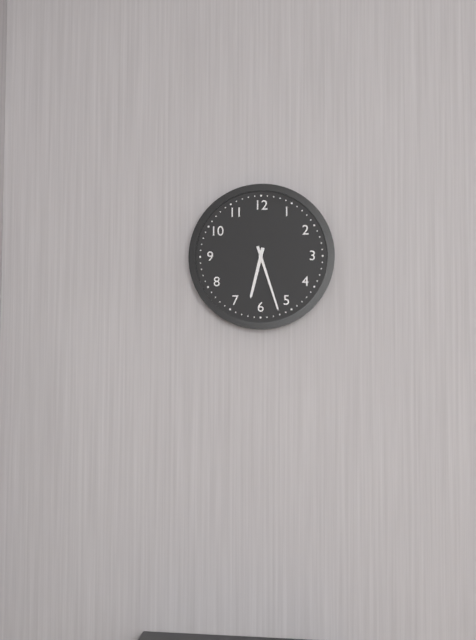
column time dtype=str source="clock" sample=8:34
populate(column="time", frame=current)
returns 6:27
